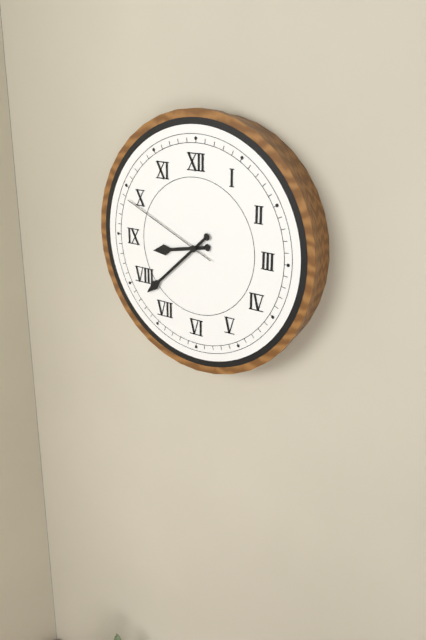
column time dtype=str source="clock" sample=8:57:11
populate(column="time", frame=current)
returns 8:38:49
